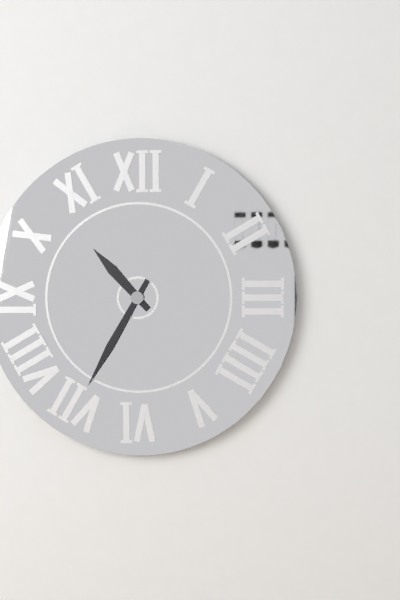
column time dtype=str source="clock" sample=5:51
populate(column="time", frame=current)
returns 10:35
